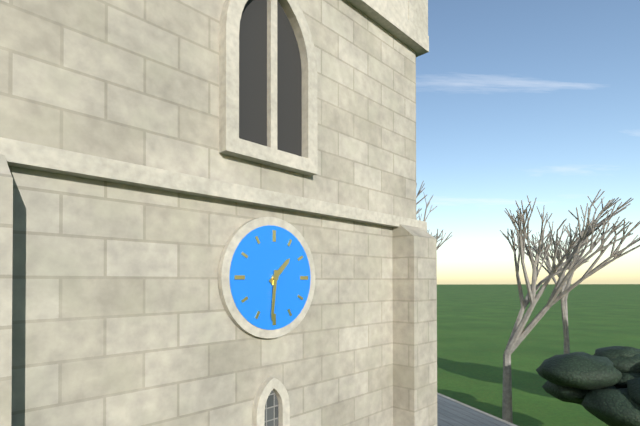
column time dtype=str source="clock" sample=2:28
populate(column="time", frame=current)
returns 1:31
